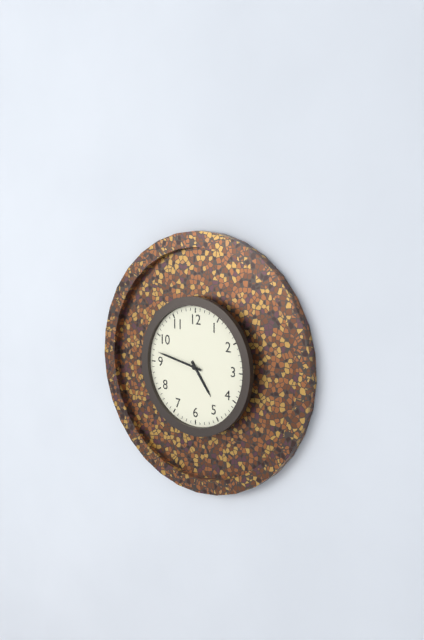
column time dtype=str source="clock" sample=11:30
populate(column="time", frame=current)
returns 4:47
